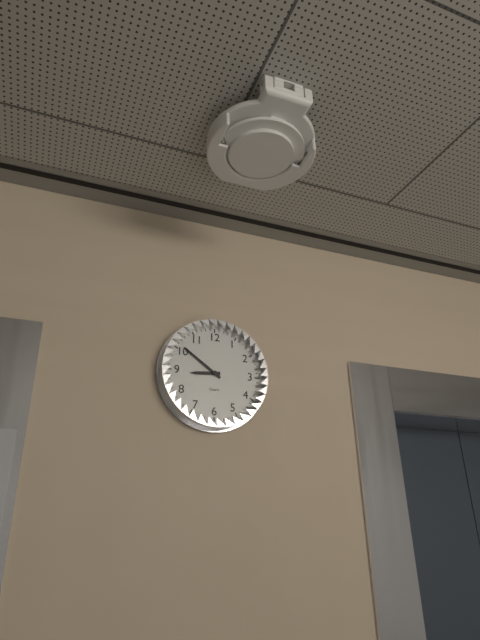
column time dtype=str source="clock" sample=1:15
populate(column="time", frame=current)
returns 8:51
